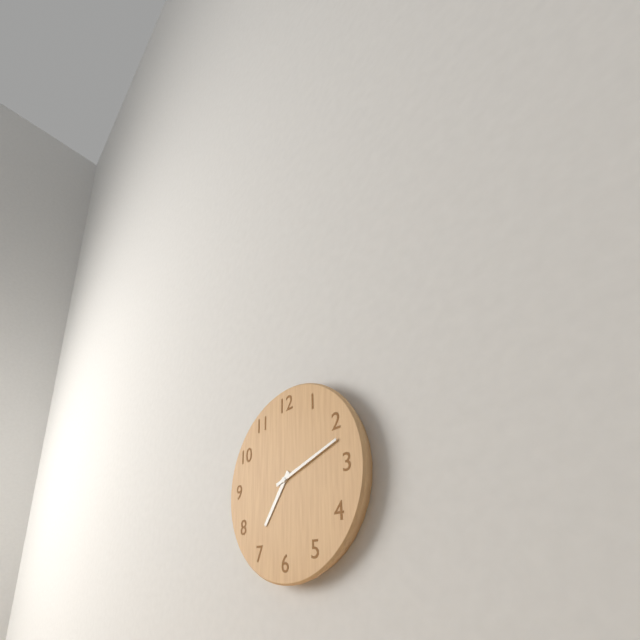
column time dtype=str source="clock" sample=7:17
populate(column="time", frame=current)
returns 7:12
